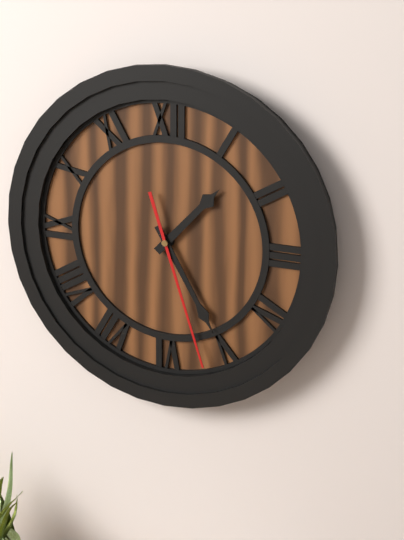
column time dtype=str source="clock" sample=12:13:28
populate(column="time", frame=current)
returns 1:25:27
